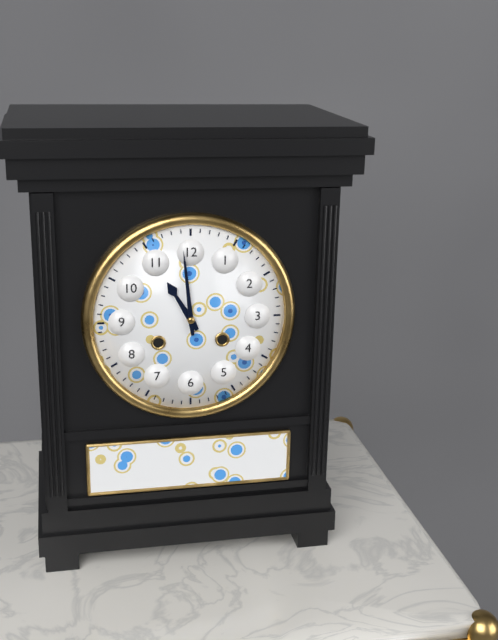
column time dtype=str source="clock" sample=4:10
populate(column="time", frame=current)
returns 10:59
